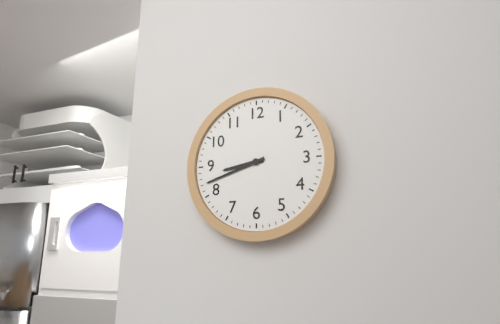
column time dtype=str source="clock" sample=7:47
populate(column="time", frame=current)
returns 8:42
